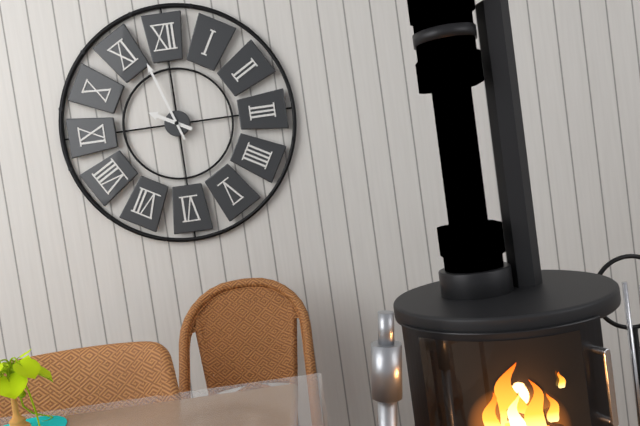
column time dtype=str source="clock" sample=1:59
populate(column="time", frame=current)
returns 9:57
